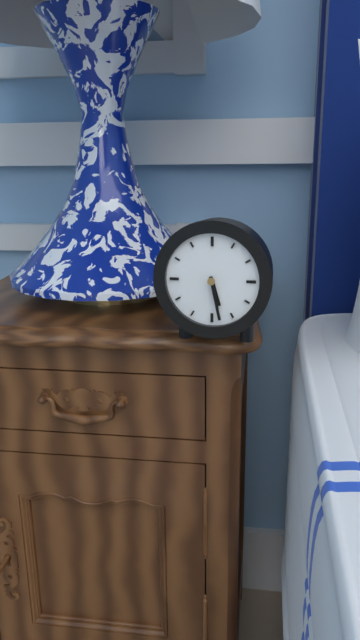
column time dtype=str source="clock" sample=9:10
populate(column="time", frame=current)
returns 5:28
